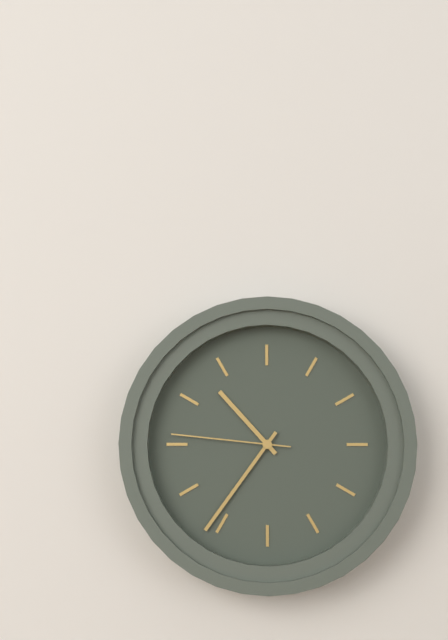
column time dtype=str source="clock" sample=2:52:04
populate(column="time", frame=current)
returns 10:36:46
